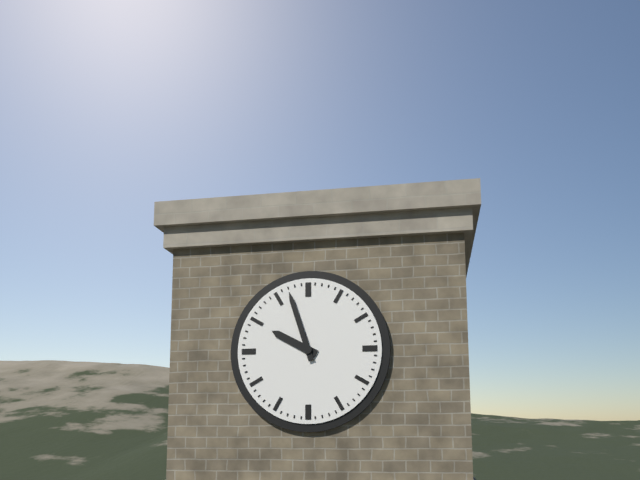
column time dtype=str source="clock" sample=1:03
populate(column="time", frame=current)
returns 9:57
